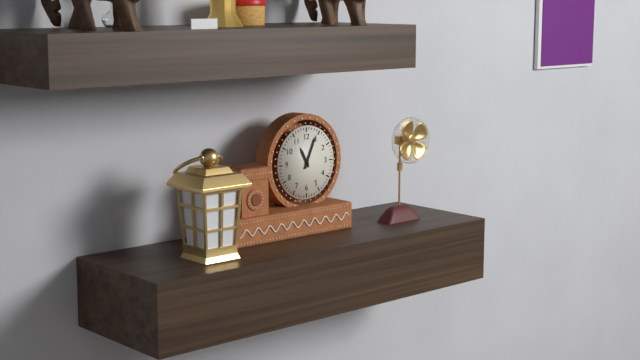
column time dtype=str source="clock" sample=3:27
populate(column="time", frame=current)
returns 11:04
